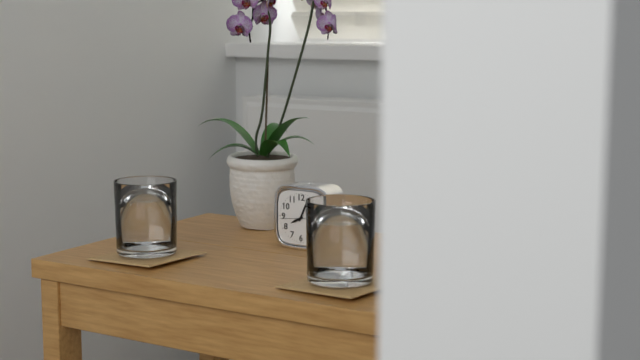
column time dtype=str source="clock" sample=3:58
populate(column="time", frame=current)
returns 8:04
